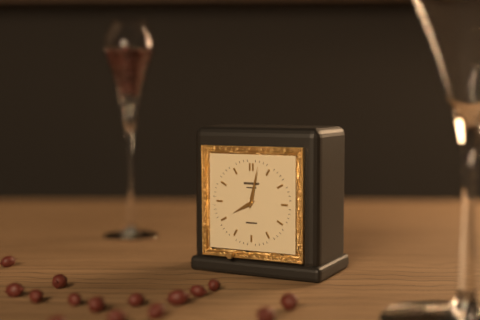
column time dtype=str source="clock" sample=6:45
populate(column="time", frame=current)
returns 8:02
